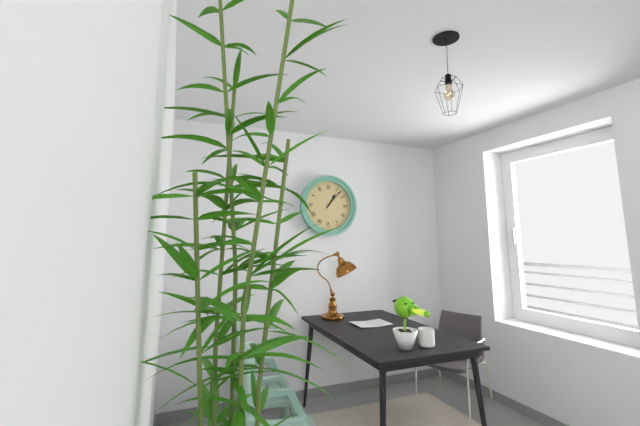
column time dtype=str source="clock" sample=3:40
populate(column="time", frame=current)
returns 1:07
